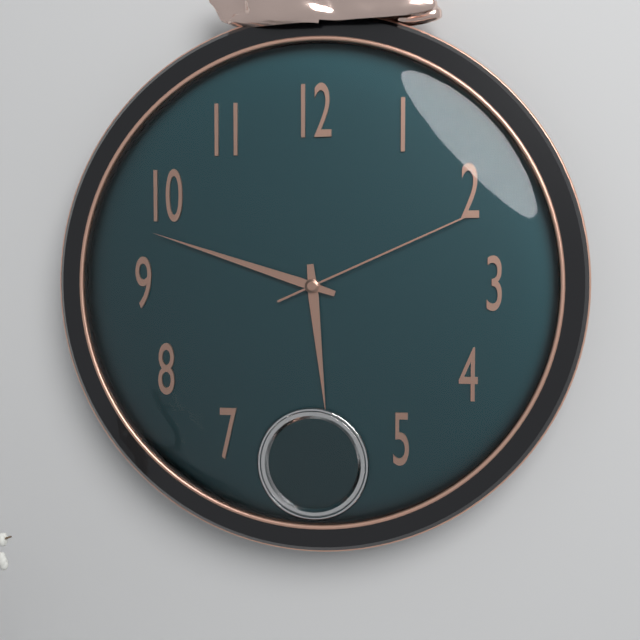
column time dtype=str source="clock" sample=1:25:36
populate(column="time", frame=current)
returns 5:48:11
